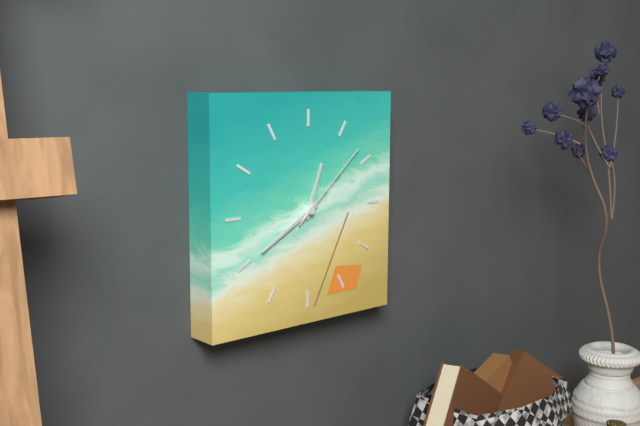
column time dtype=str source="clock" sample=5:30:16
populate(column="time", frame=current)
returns 12:40:08
